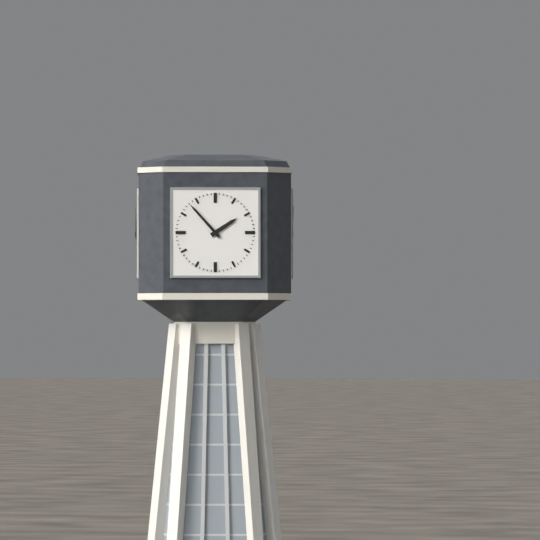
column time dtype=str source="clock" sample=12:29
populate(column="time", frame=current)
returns 1:53
